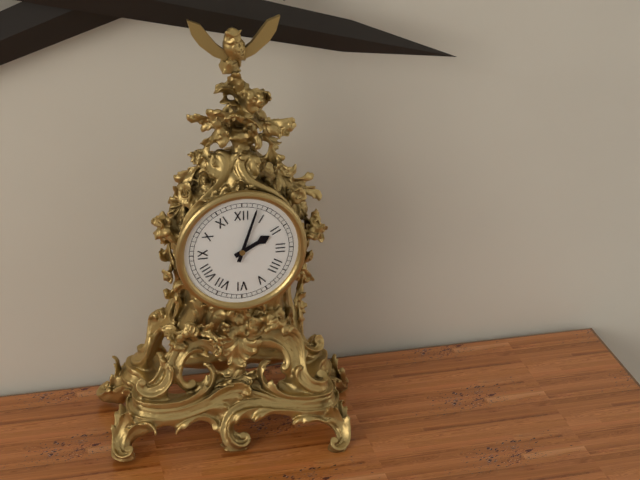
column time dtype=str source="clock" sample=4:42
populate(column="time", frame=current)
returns 2:03
